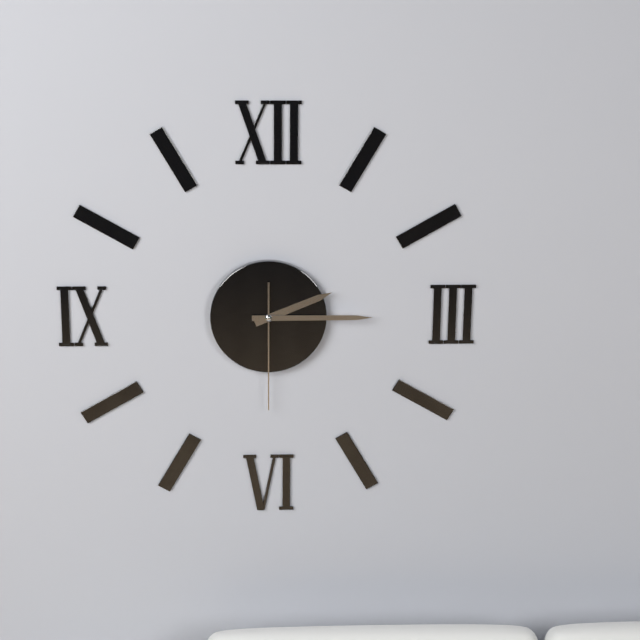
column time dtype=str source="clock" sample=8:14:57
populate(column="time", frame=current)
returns 2:15:30
